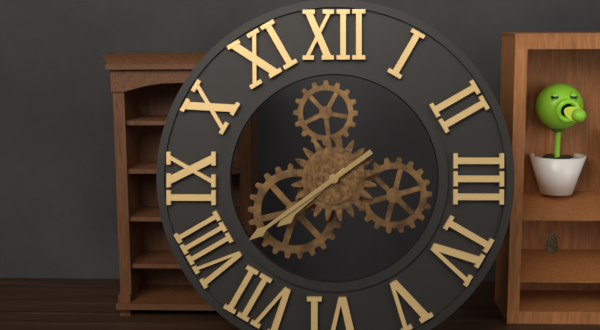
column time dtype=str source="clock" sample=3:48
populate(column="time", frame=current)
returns 7:39
